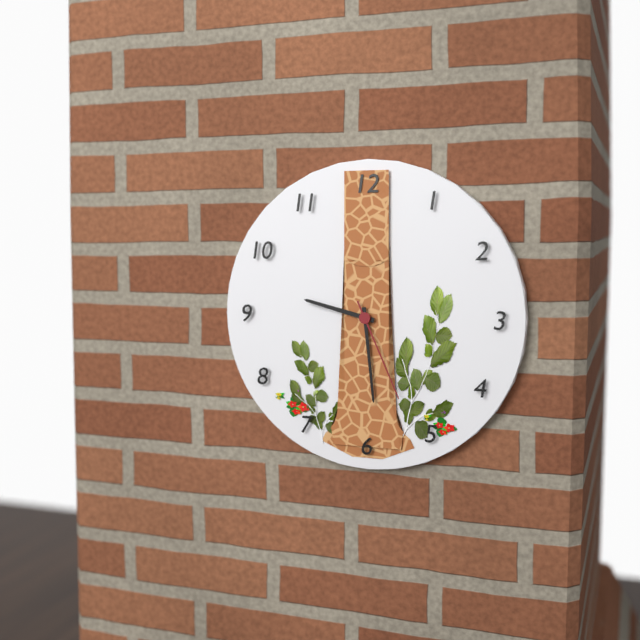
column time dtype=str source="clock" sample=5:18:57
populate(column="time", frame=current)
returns 9:29:26
